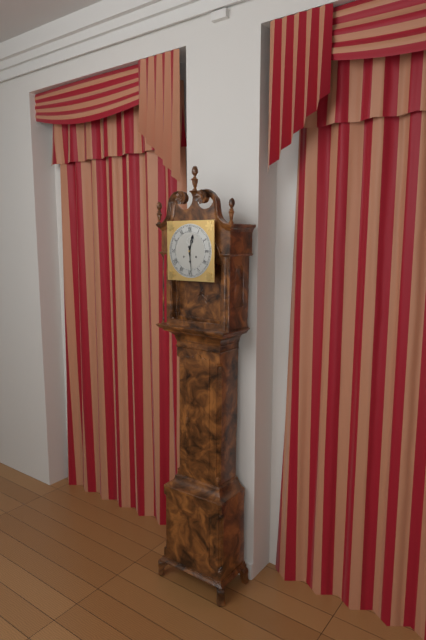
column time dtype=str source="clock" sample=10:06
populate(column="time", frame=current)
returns 12:29
